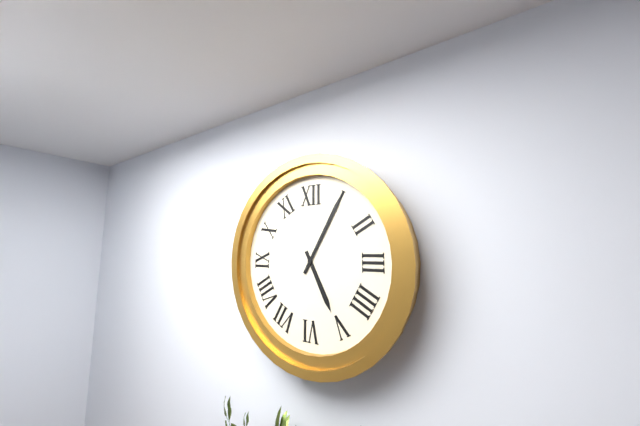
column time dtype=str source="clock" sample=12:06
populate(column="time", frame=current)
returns 5:05
